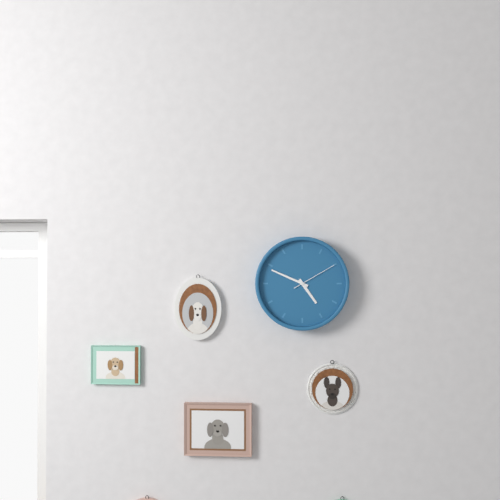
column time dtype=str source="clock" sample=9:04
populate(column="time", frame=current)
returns 4:49
